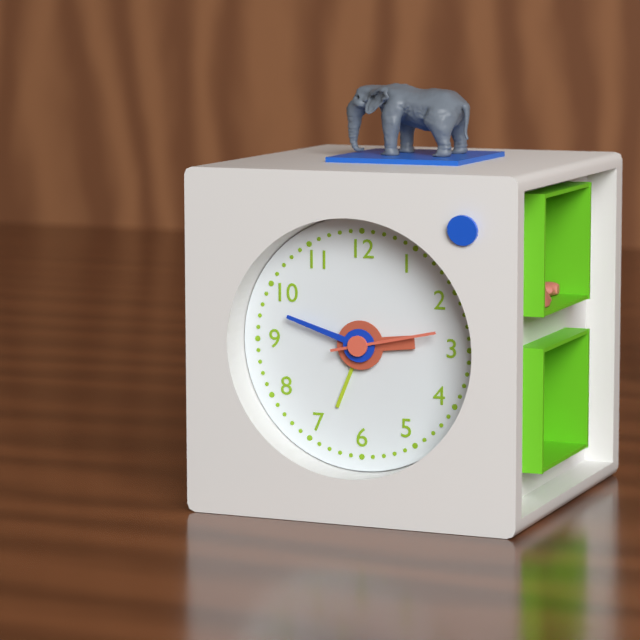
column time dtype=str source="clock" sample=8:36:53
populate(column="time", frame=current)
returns 2:48:13
